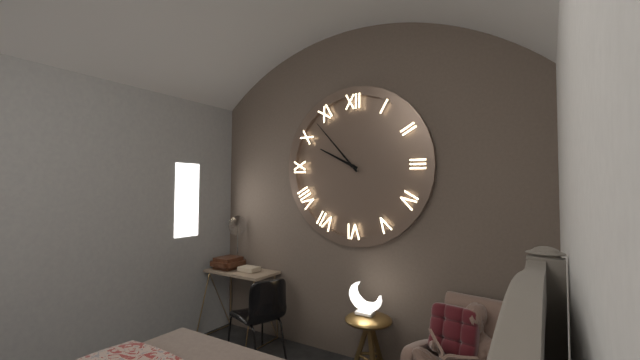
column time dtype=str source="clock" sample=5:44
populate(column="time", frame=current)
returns 9:53
